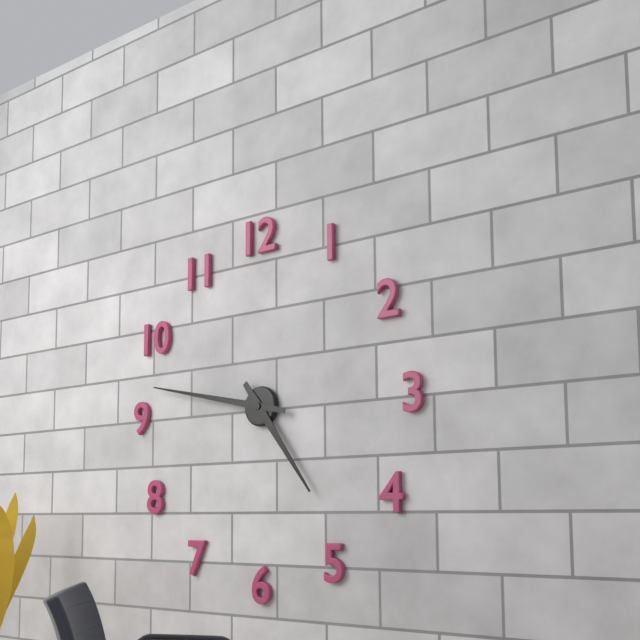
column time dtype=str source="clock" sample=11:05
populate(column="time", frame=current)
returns 4:47
